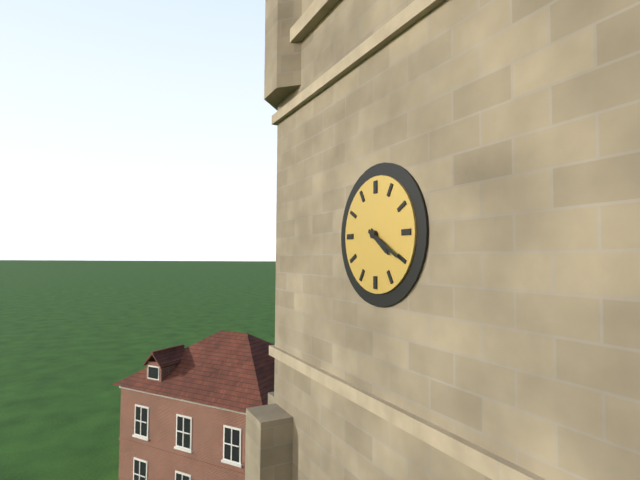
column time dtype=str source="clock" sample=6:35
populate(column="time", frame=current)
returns 4:20
